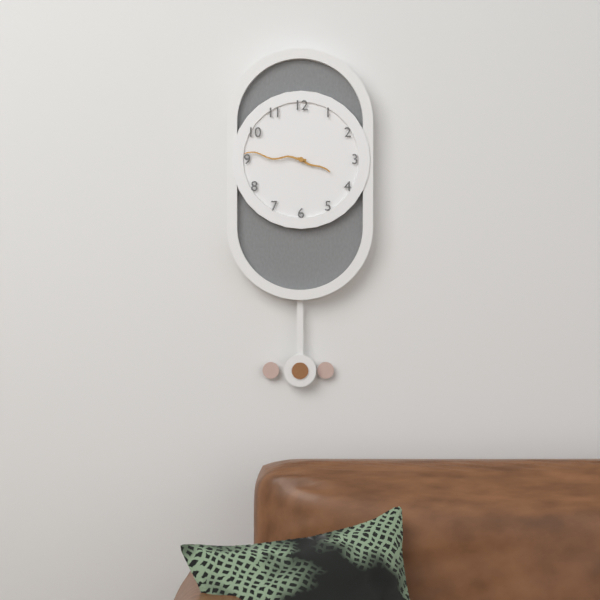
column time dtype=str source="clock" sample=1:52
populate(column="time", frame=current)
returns 3:46
